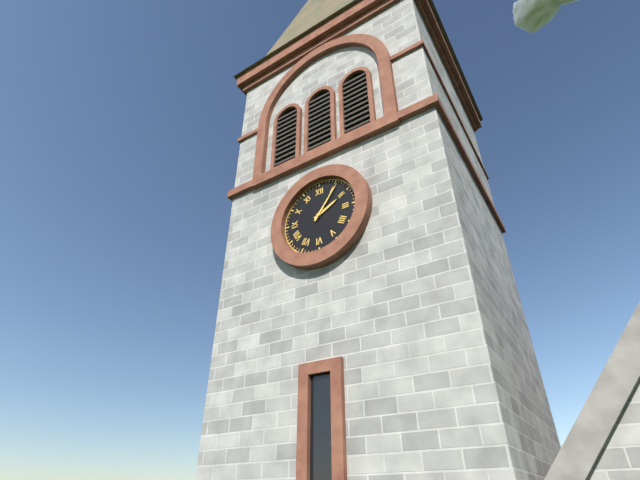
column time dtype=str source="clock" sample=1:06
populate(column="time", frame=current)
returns 2:06
